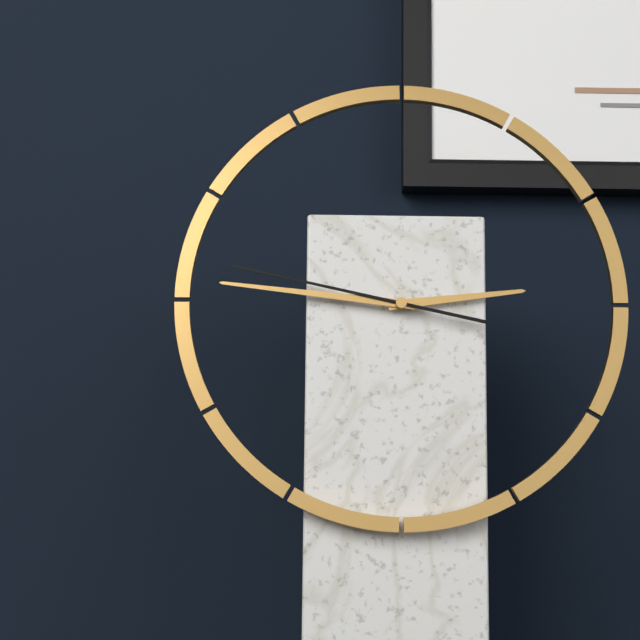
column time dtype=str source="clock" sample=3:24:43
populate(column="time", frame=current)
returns 2:46:47
